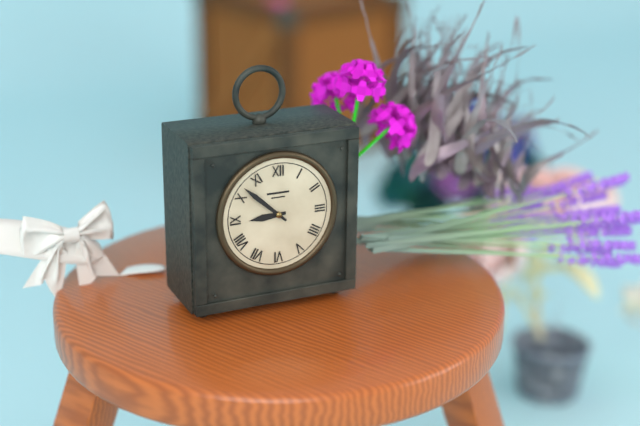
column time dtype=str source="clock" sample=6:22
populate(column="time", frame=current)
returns 8:52
